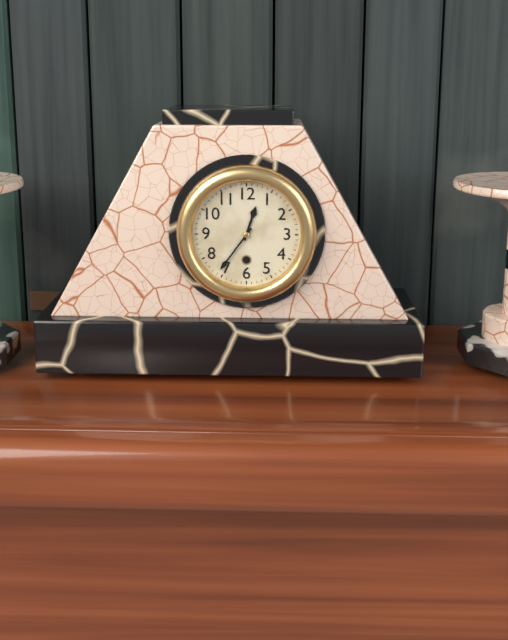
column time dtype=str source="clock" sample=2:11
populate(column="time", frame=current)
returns 12:36
